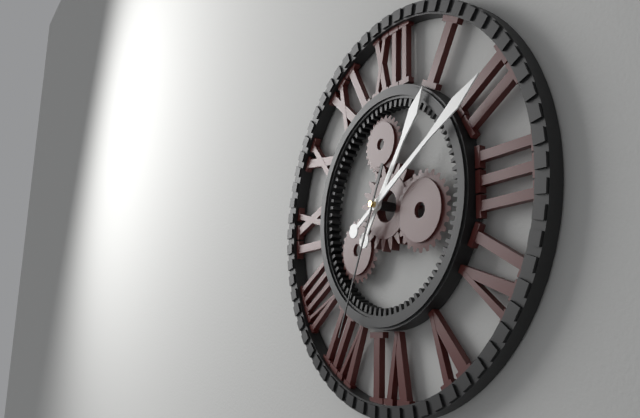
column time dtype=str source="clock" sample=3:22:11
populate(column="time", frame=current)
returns 1:10:34
